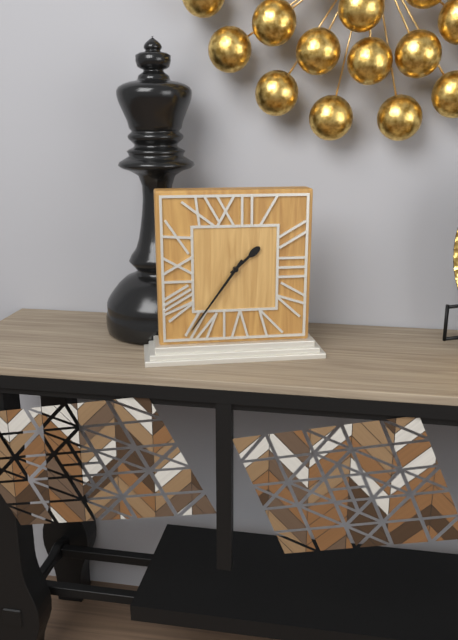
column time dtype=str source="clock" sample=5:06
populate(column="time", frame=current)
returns 1:36
